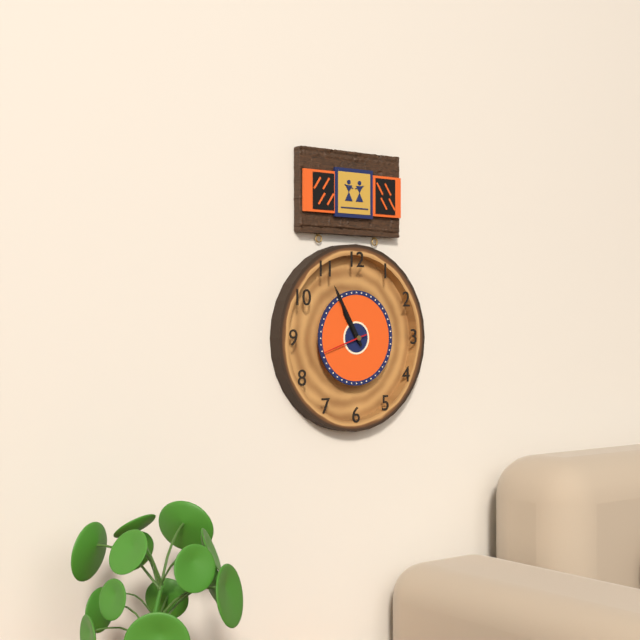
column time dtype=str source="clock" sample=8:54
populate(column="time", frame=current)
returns 10:55
